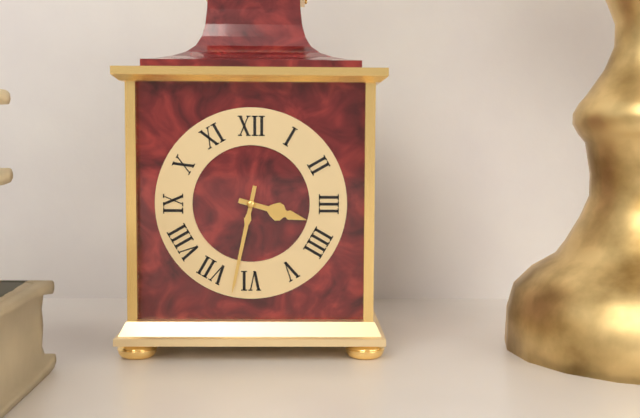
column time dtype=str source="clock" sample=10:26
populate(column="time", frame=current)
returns 3:32
